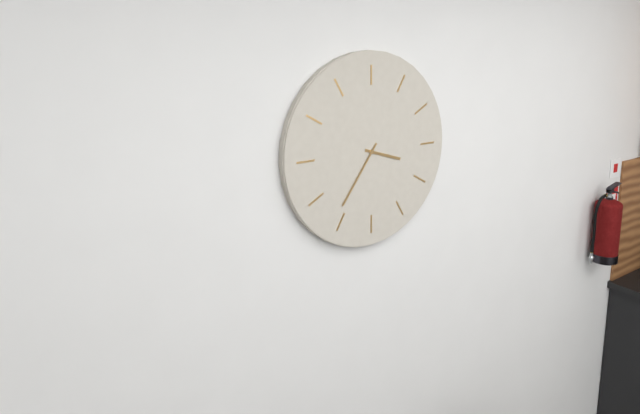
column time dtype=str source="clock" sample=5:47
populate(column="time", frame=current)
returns 3:36
